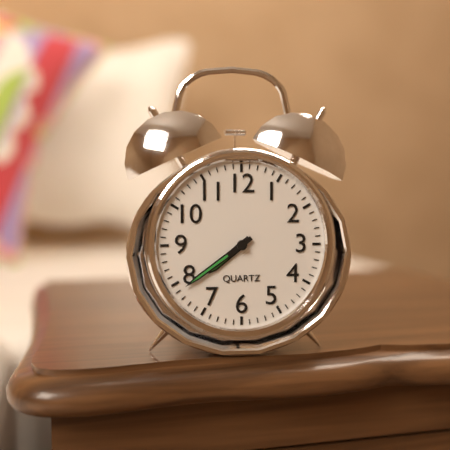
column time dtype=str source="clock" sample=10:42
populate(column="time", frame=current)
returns 7:39
